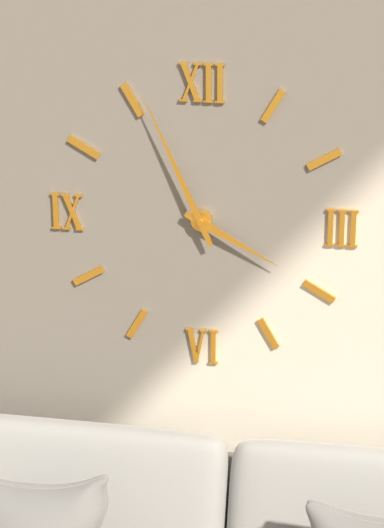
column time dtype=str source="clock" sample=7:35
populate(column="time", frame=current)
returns 3:56
